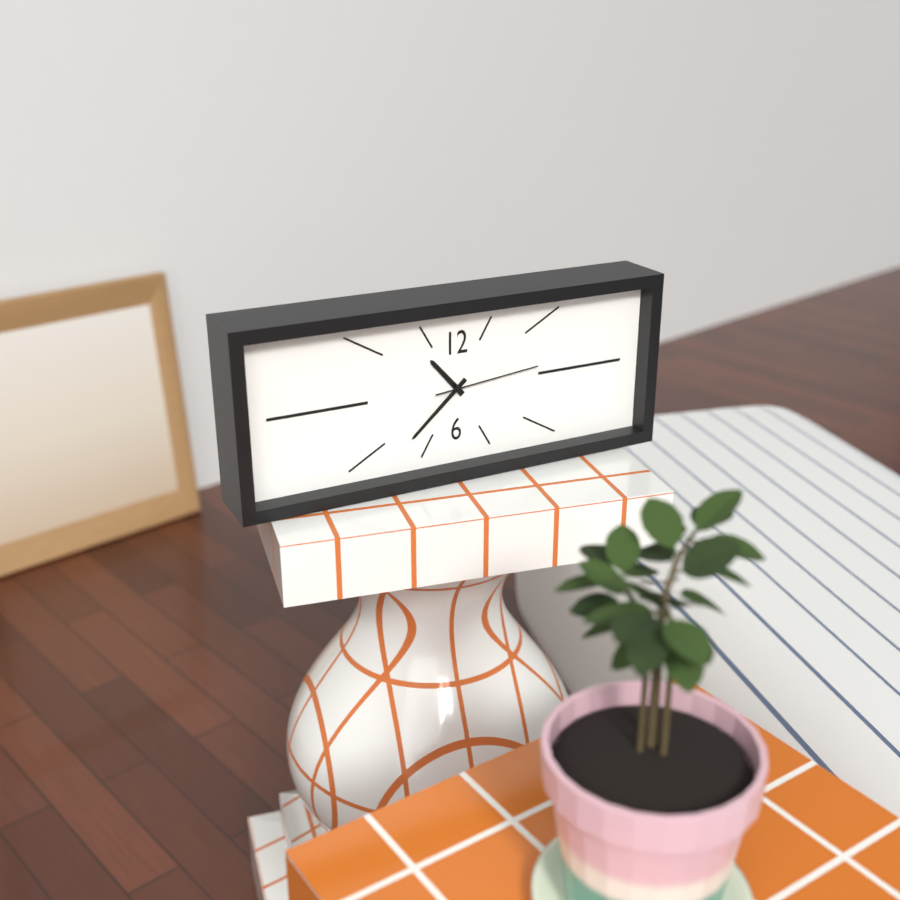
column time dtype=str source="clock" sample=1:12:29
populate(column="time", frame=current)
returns 10:38:14
